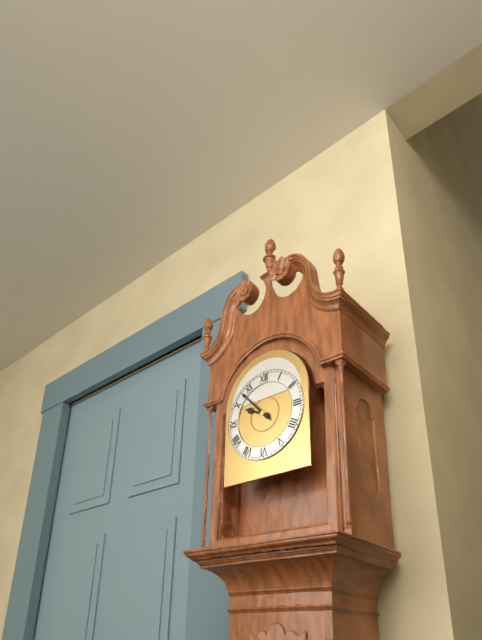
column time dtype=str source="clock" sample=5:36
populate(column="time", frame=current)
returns 9:53
